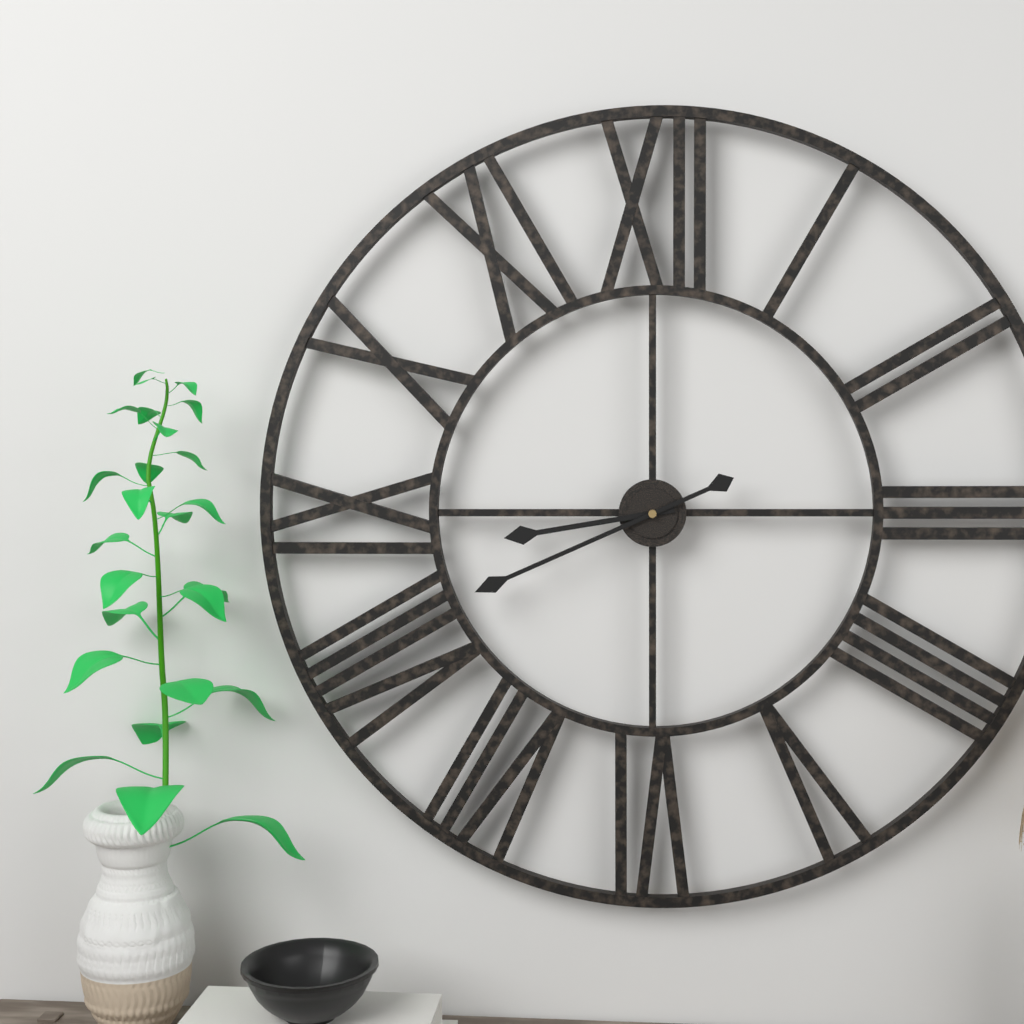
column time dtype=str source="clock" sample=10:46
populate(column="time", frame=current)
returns 8:41
